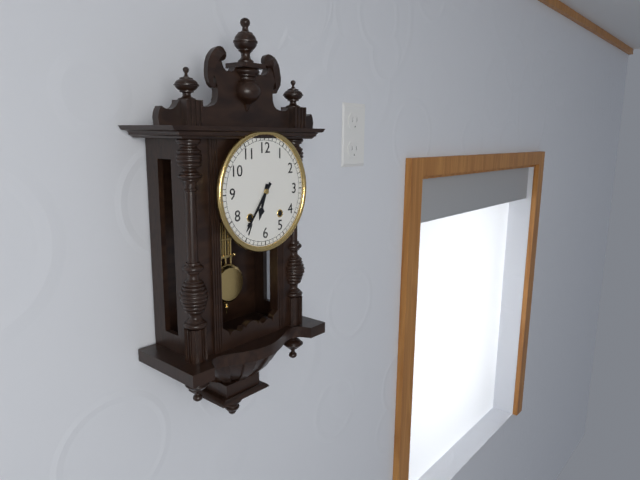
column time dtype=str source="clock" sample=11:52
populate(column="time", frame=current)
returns 6:36
